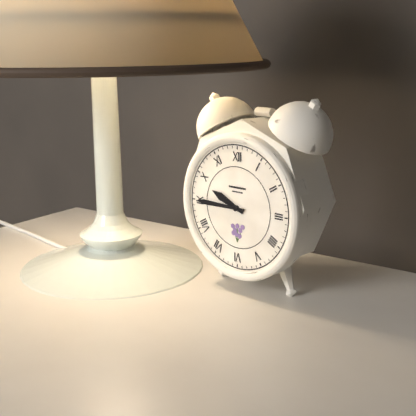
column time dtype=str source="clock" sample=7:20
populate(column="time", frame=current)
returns 9:45
